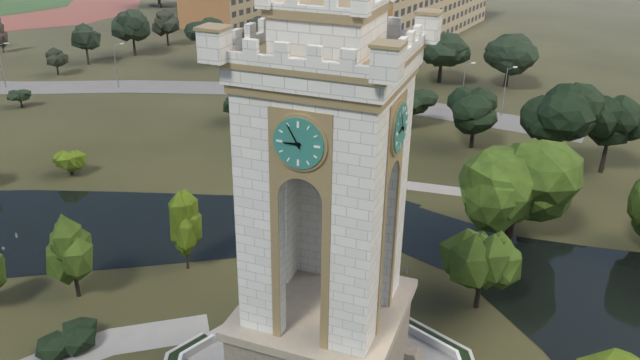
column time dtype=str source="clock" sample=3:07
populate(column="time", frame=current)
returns 8:55
